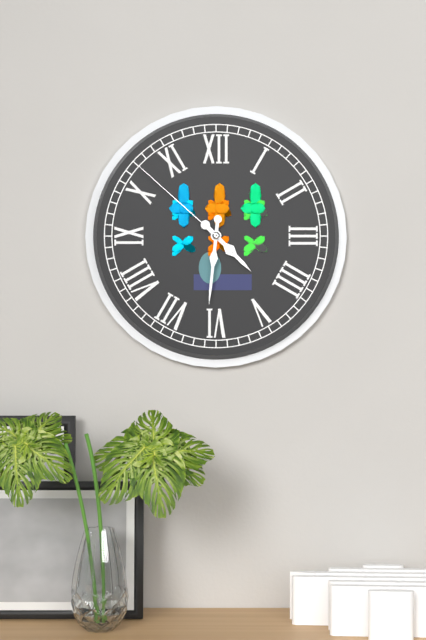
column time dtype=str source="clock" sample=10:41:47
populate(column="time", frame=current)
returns 4:31:52
